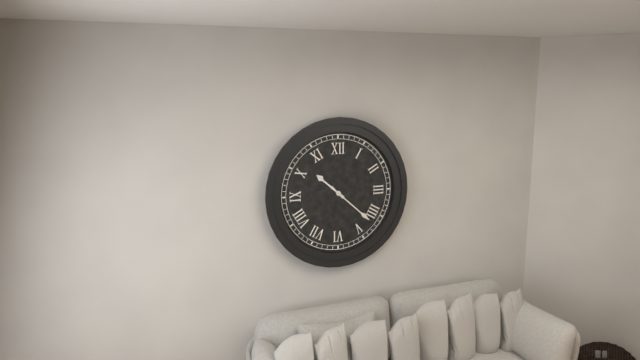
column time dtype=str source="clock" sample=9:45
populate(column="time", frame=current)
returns 10:22
